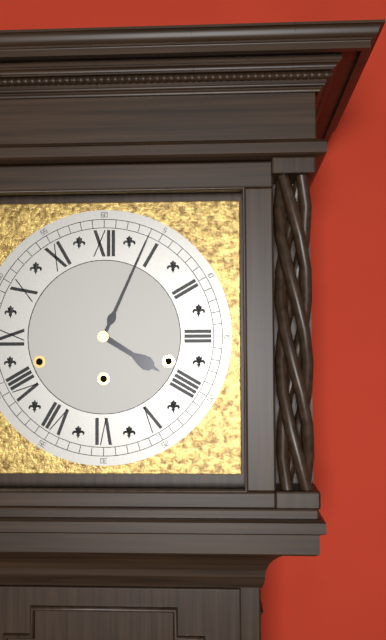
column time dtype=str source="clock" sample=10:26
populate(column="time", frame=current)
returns 4:04
